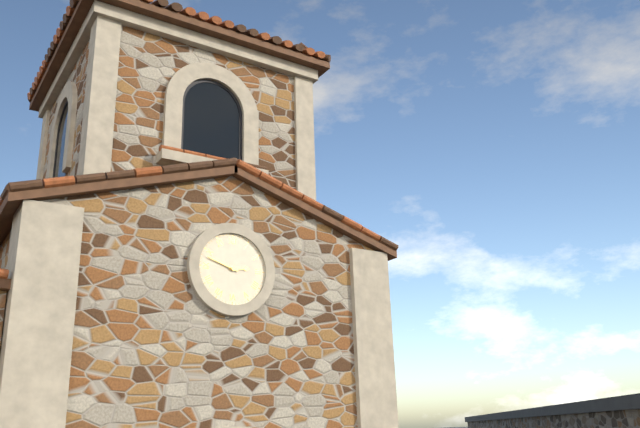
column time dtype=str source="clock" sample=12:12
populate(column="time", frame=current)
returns 2:48
